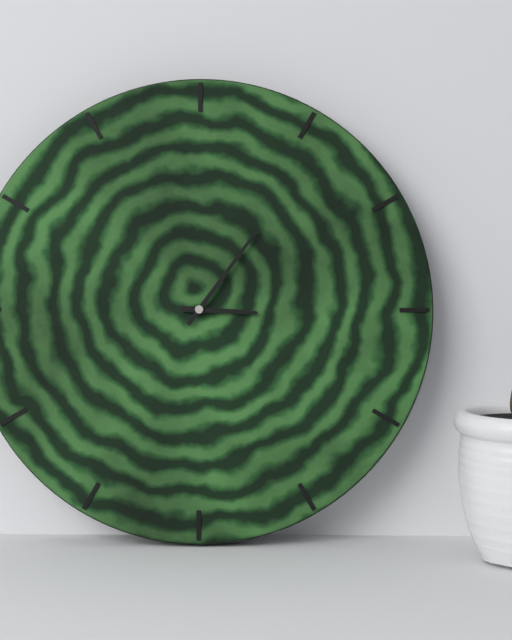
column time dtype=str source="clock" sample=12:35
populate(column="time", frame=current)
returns 3:06
